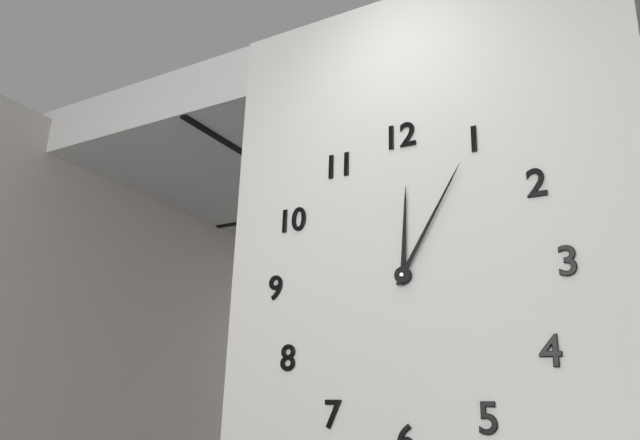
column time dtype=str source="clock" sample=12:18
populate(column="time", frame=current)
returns 12:05
